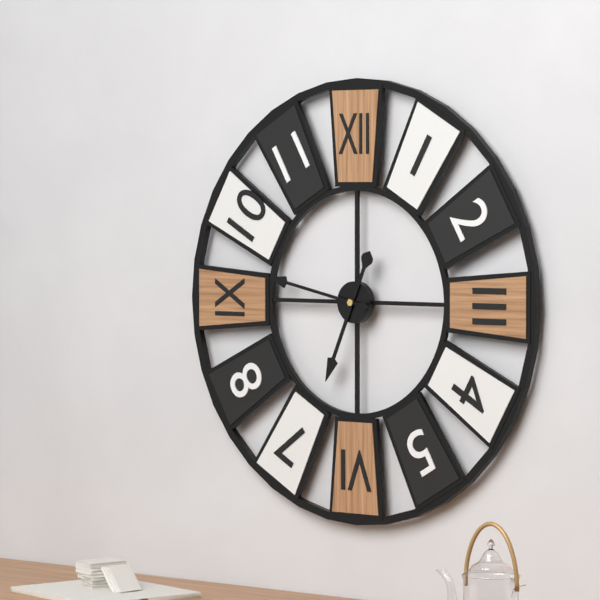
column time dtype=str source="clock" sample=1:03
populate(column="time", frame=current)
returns 6:47
